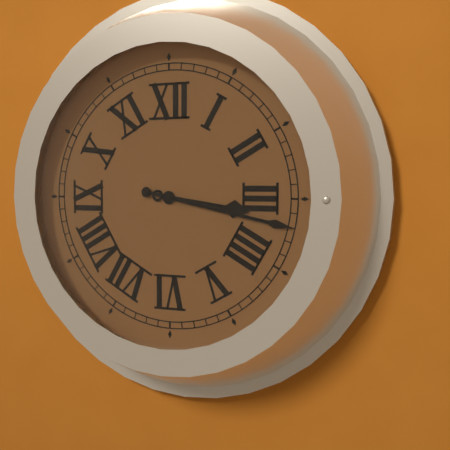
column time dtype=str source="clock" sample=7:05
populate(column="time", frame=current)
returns 3:17
